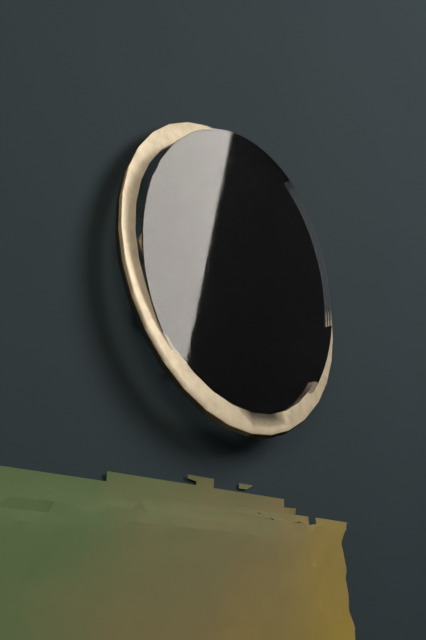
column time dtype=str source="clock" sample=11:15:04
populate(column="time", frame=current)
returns 5:14:00
